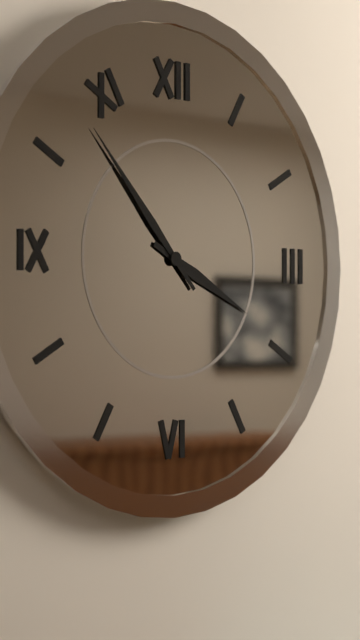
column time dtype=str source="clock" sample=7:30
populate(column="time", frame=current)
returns 3:53
